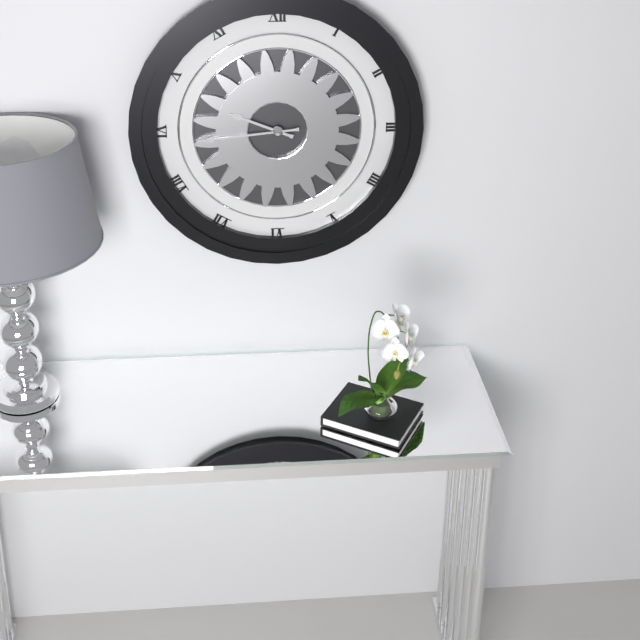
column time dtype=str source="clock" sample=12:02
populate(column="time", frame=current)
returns 9:44
